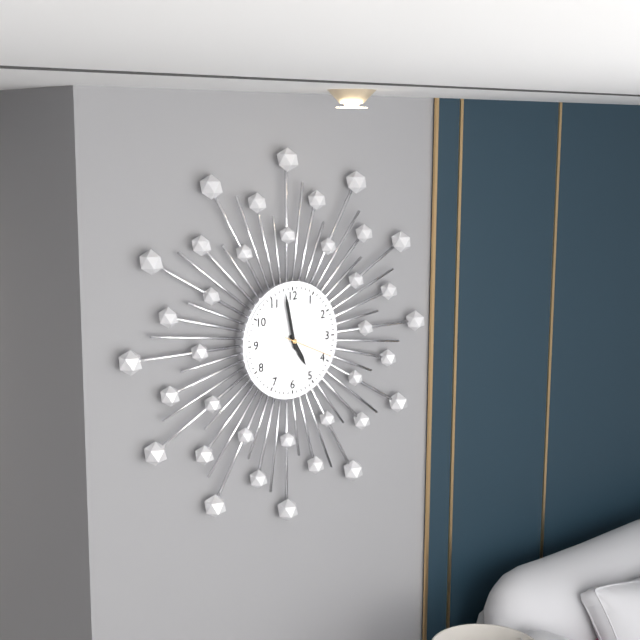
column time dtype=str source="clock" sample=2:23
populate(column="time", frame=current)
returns 4:58
